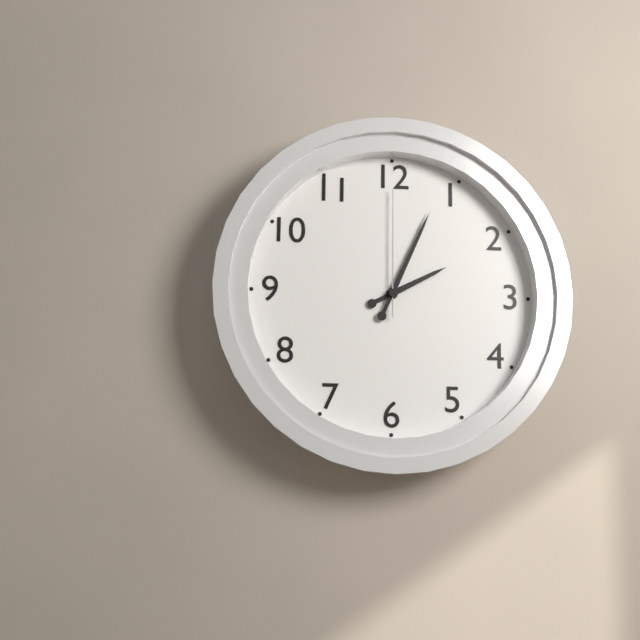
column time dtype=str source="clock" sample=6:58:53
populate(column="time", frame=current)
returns 2:04:00
